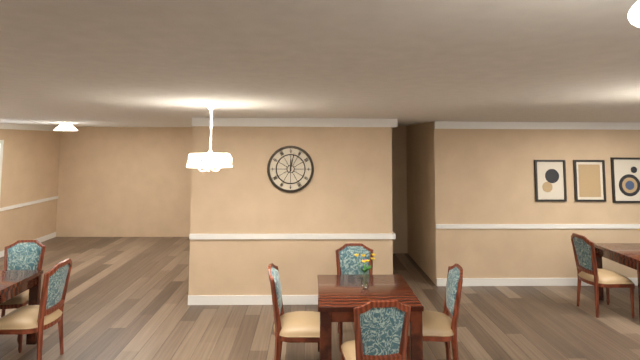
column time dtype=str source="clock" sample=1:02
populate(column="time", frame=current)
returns 12:02
